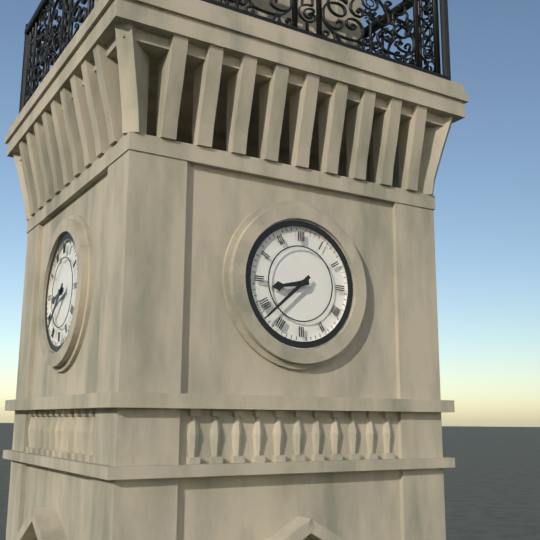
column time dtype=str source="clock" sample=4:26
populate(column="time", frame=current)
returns 8:38
